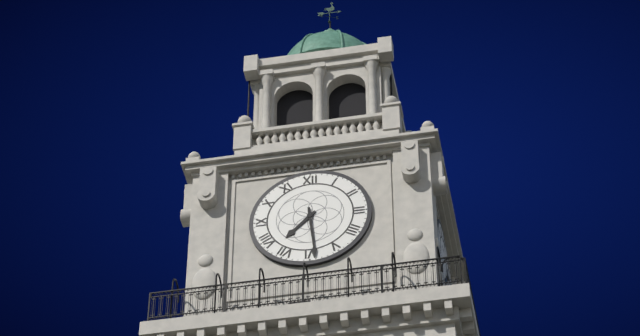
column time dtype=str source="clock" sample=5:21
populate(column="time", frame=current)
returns 7:29
